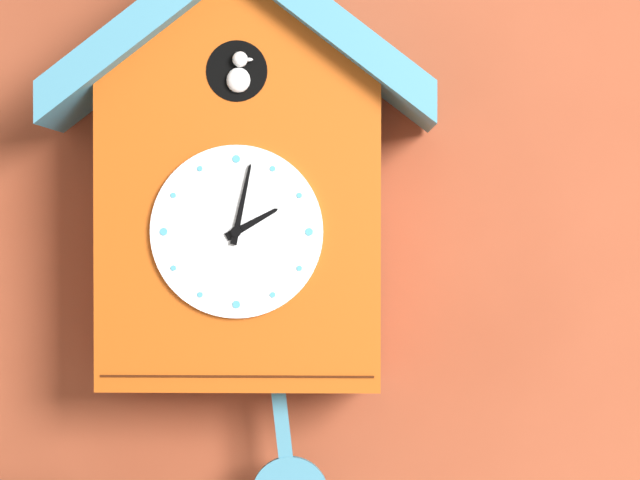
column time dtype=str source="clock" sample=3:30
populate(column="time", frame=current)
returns 2:02
